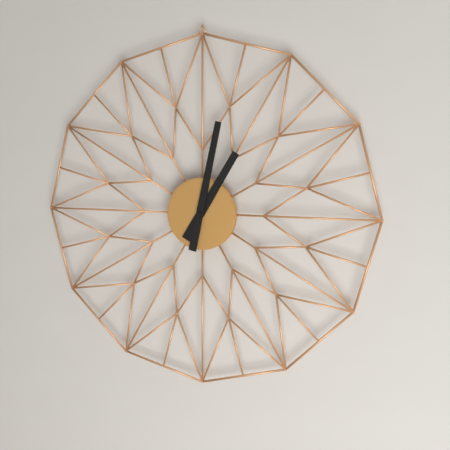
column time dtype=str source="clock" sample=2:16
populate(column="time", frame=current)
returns 1:02
